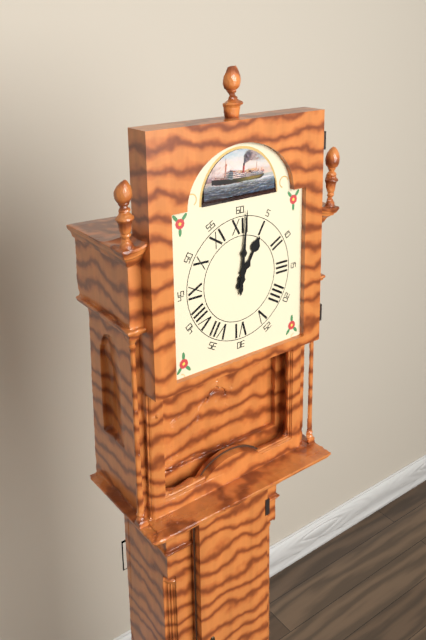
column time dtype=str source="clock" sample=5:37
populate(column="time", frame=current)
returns 1:01
